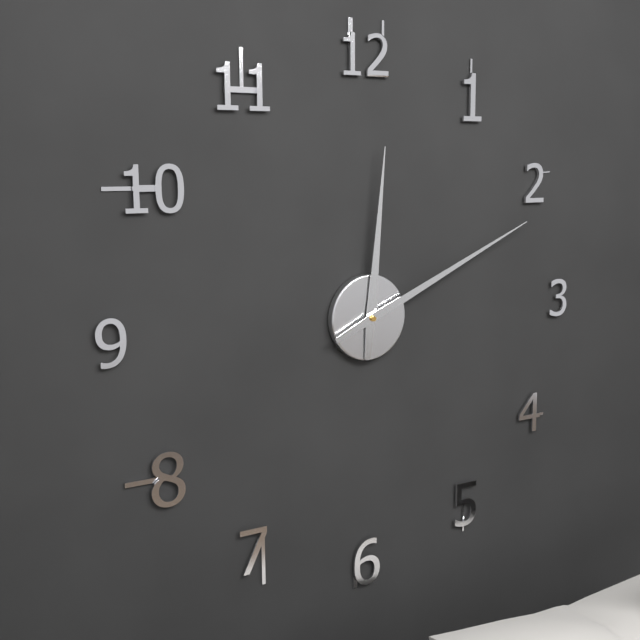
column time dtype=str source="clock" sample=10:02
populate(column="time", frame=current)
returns 12:11
